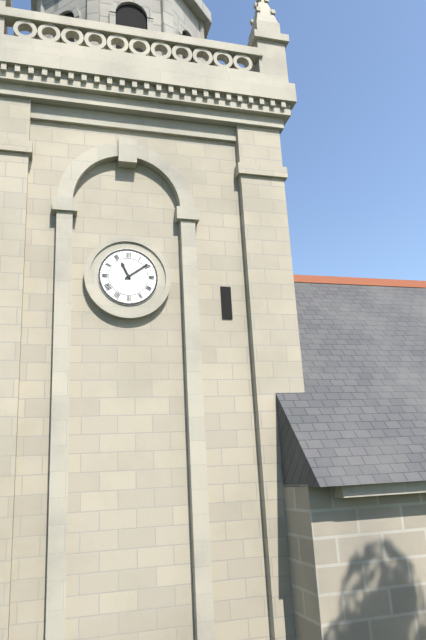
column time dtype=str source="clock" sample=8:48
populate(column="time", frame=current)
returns 11:09
